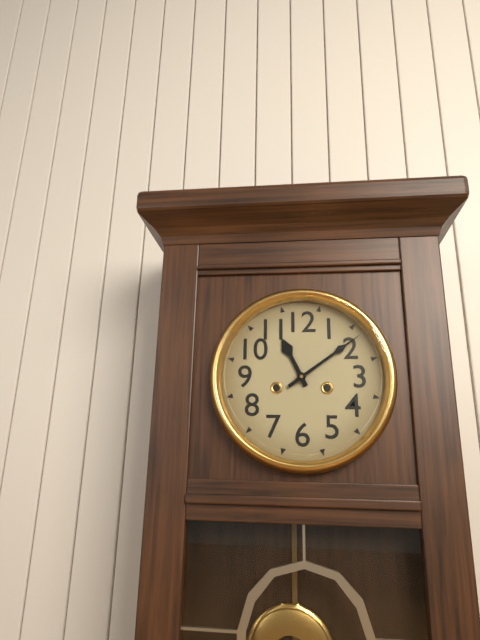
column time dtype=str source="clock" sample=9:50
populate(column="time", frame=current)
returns 11:09
